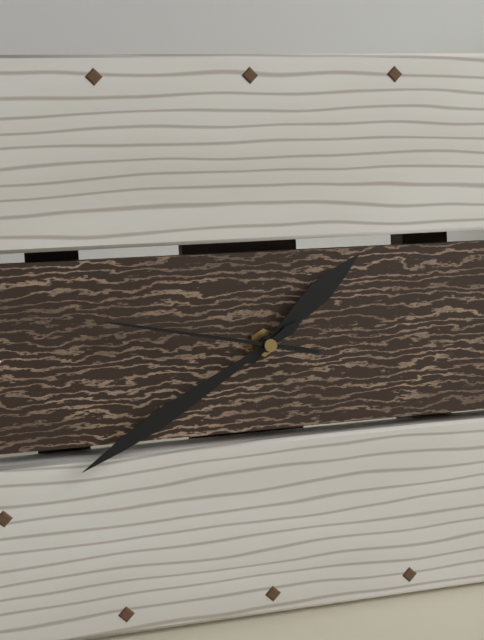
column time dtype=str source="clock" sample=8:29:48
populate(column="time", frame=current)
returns 1:40:47
